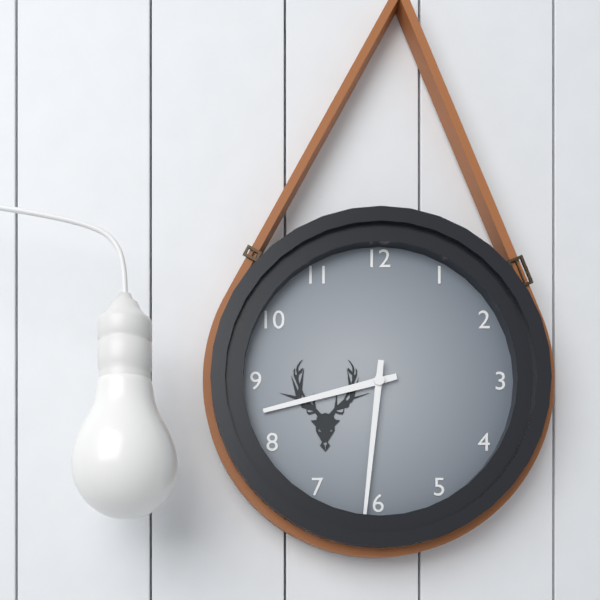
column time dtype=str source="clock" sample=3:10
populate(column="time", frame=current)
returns 8:31
